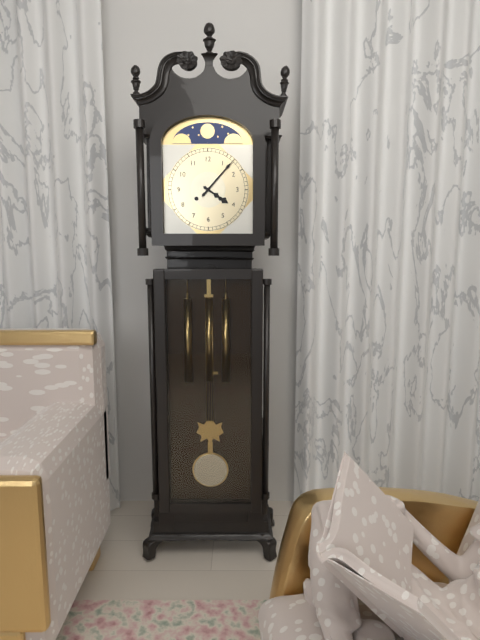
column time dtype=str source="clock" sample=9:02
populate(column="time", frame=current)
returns 4:07
